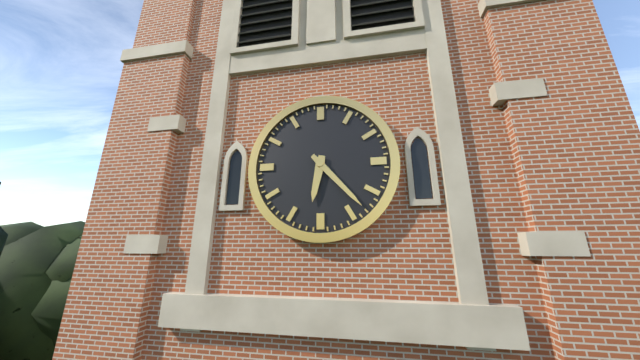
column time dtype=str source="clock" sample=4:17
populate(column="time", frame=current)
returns 6:23
